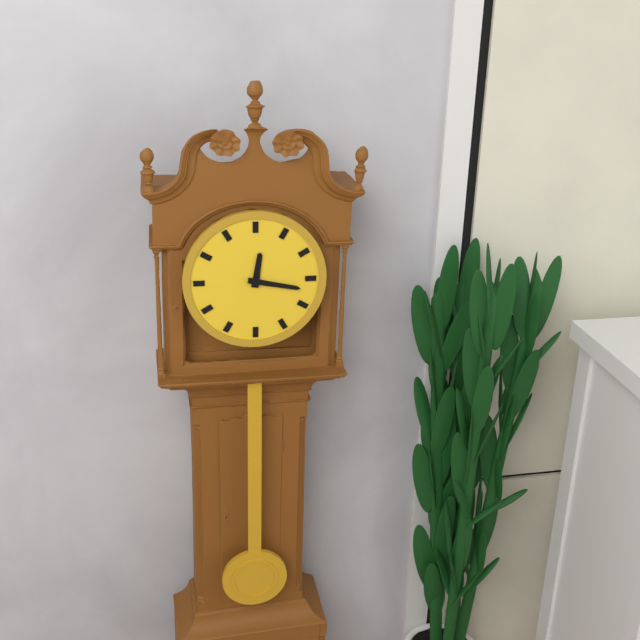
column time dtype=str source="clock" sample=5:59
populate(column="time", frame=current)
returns 12:17
